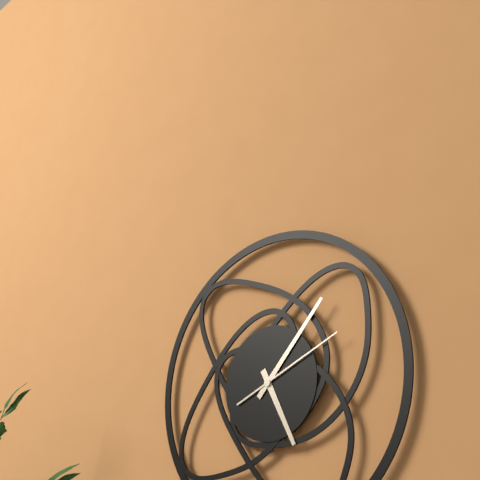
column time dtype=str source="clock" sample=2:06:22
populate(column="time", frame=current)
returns 5:07:11
